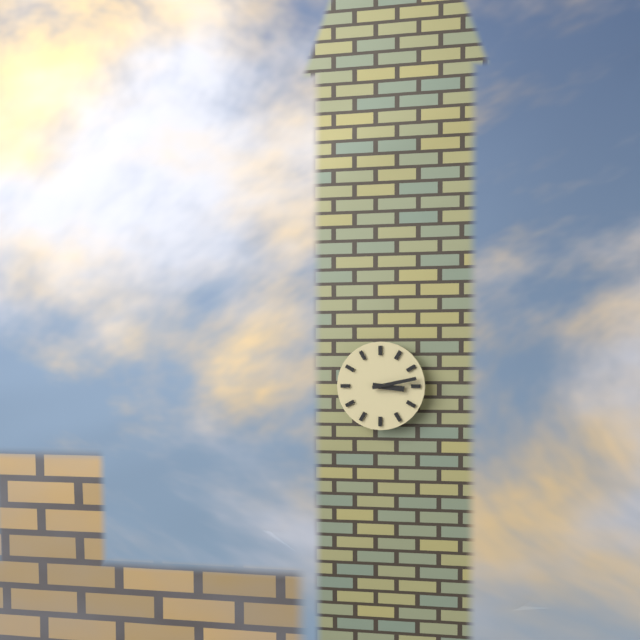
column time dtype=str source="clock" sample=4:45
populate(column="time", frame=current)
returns 3:13
